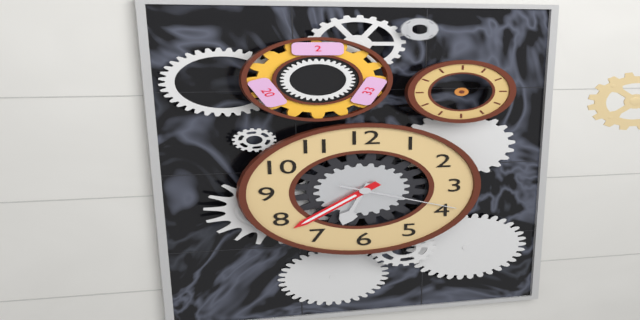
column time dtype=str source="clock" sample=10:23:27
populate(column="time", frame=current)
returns 6:38:19
